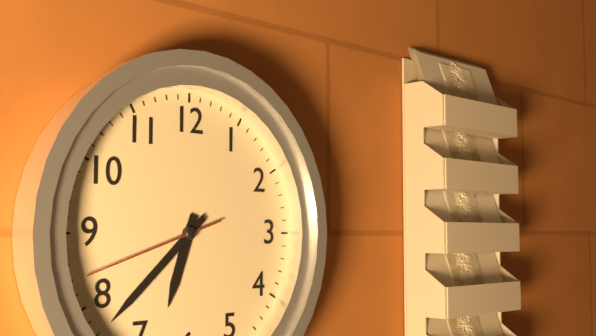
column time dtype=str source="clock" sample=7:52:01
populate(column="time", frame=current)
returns 6:38:42
